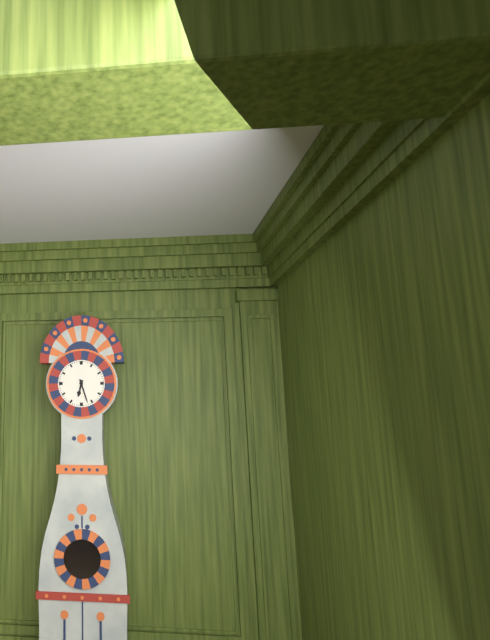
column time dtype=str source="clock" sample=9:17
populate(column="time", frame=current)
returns 6:27
